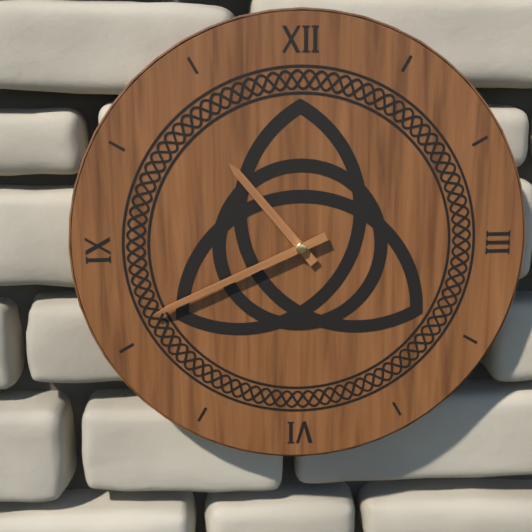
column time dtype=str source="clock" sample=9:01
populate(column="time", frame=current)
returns 10:41
